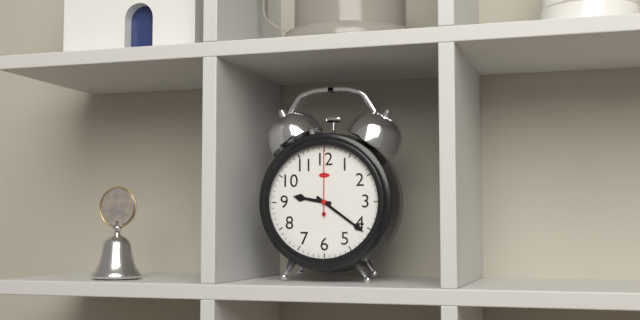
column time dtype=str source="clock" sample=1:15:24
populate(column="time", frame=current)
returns 9:21:00
